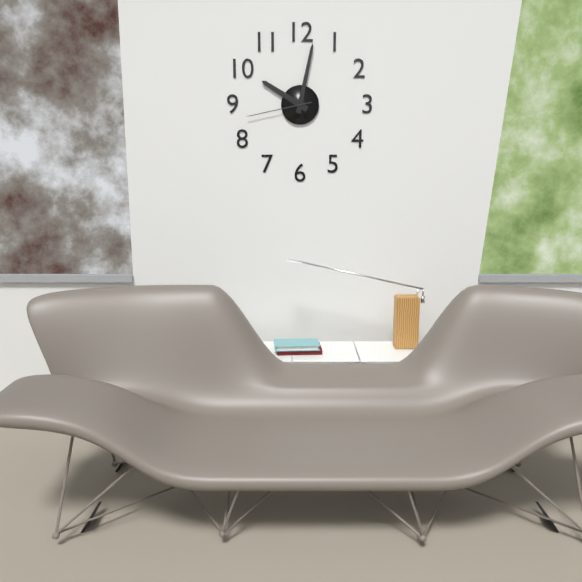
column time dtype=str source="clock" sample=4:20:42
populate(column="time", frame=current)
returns 10:02:43
